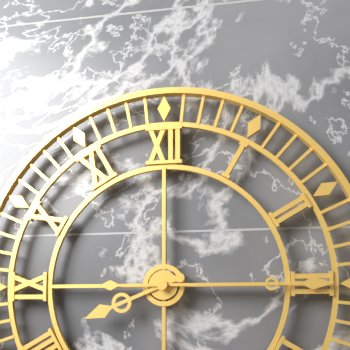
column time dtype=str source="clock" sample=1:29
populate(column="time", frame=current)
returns 8:15
